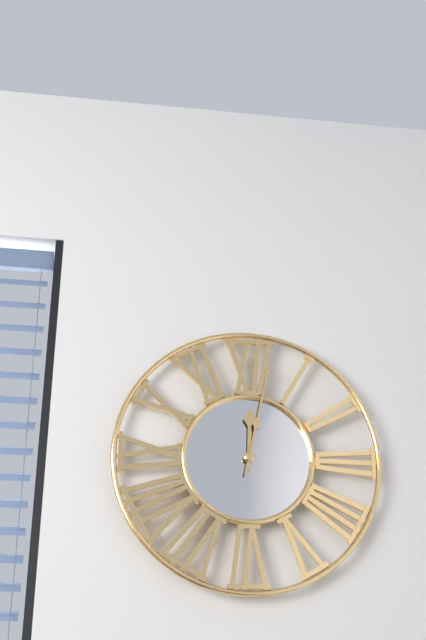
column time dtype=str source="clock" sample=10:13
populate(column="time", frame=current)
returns 12:02
